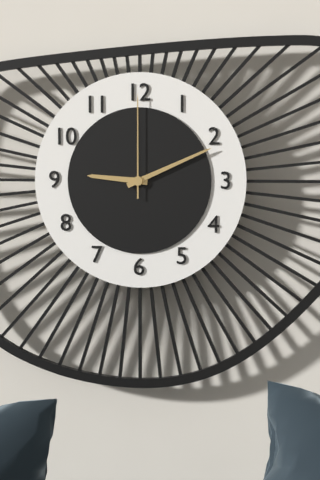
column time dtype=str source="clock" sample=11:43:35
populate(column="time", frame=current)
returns 9:11:00
